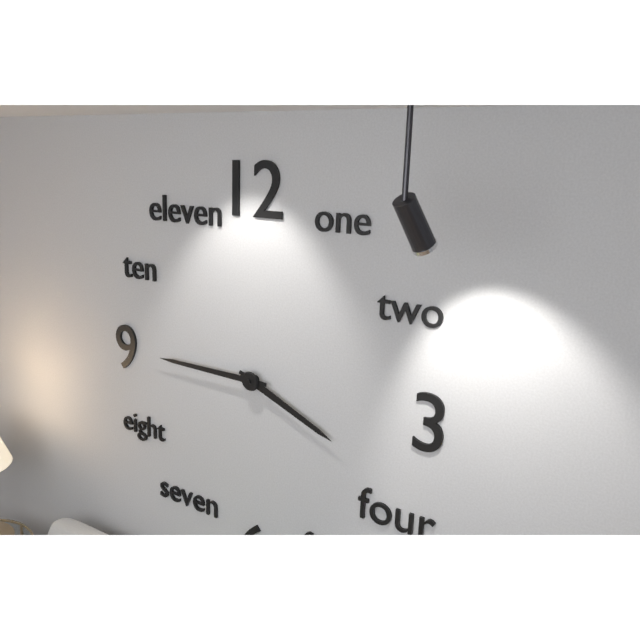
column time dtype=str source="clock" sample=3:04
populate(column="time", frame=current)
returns 3:45
